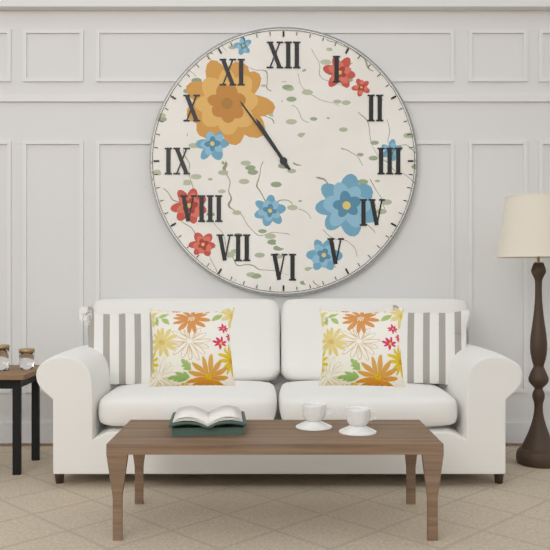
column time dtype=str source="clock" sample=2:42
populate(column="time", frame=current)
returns 10:54
